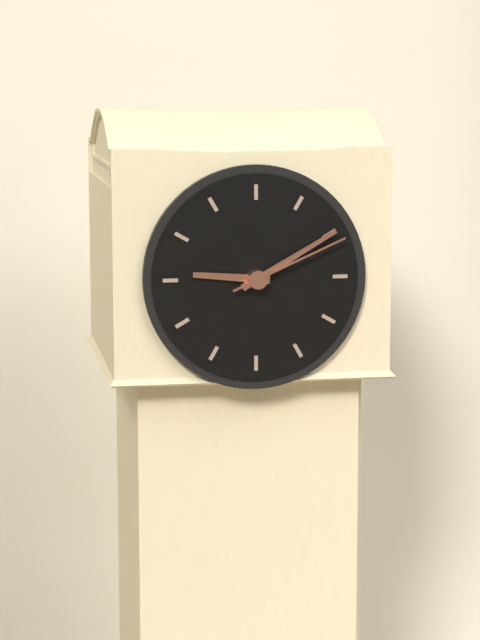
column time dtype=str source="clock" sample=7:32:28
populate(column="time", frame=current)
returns 9:10:11
